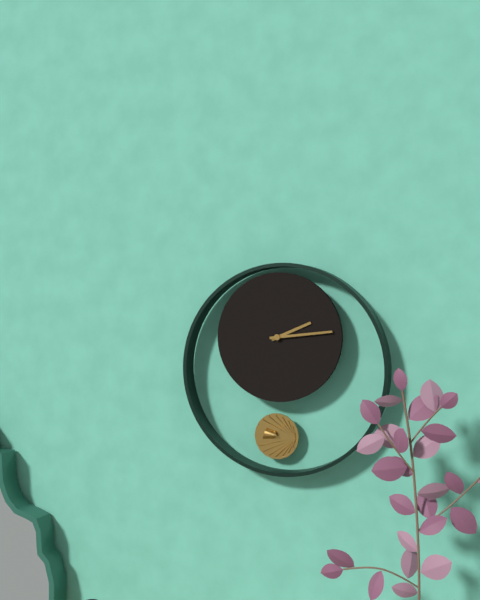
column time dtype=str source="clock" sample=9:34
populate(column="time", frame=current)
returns 2:14
